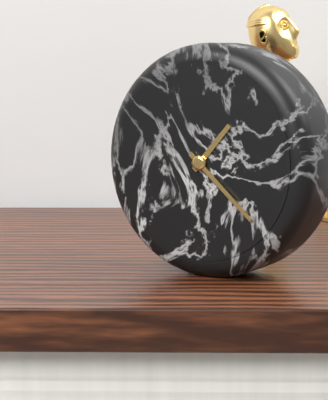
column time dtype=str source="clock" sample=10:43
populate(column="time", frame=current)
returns 1:22
